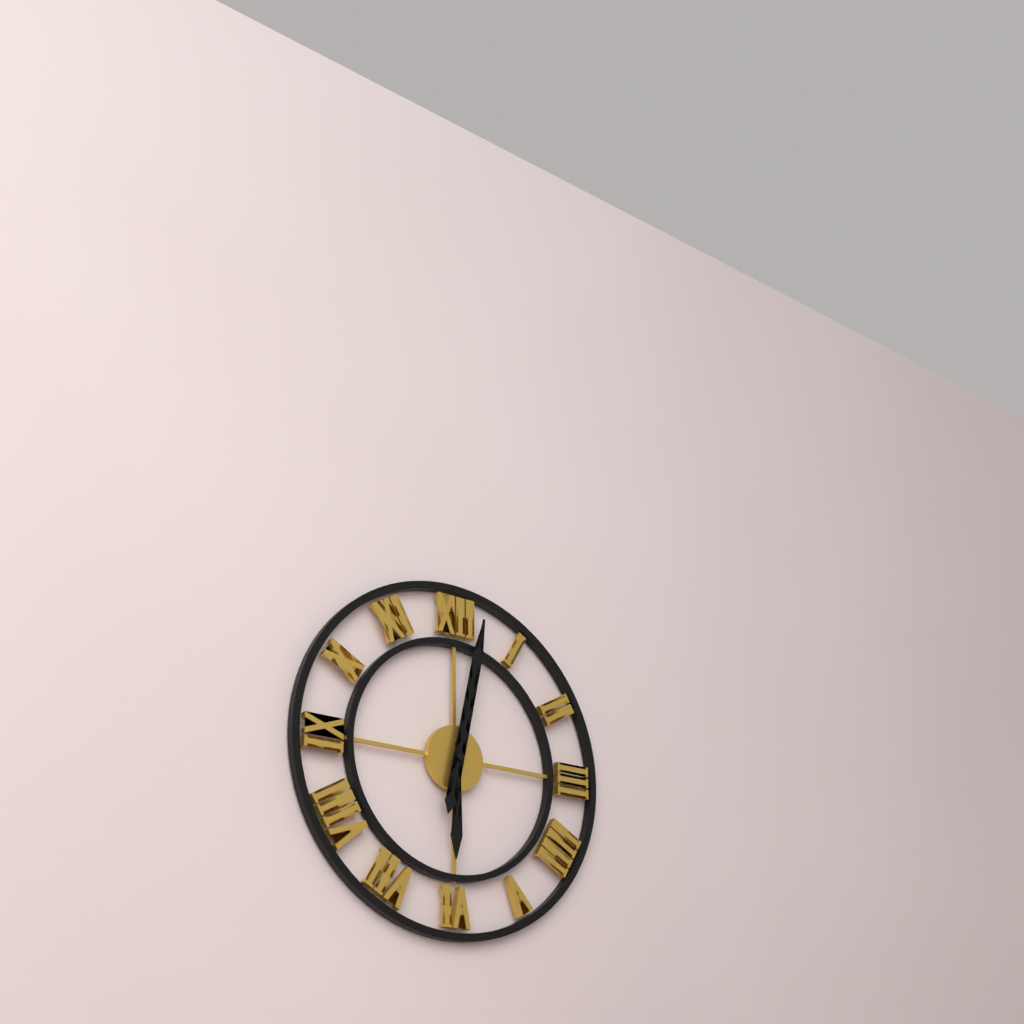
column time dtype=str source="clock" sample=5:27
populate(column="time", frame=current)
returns 6:02
